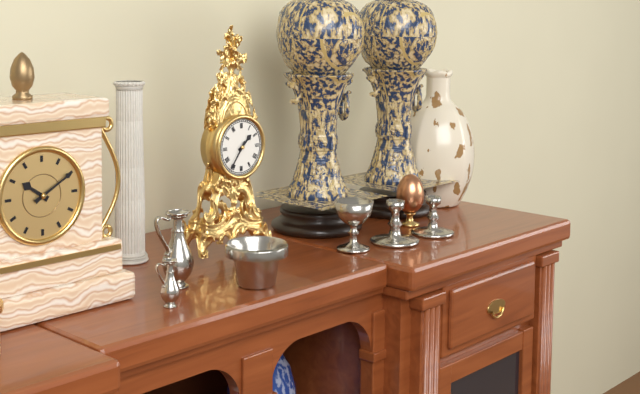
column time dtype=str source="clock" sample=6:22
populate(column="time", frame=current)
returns 1:36
